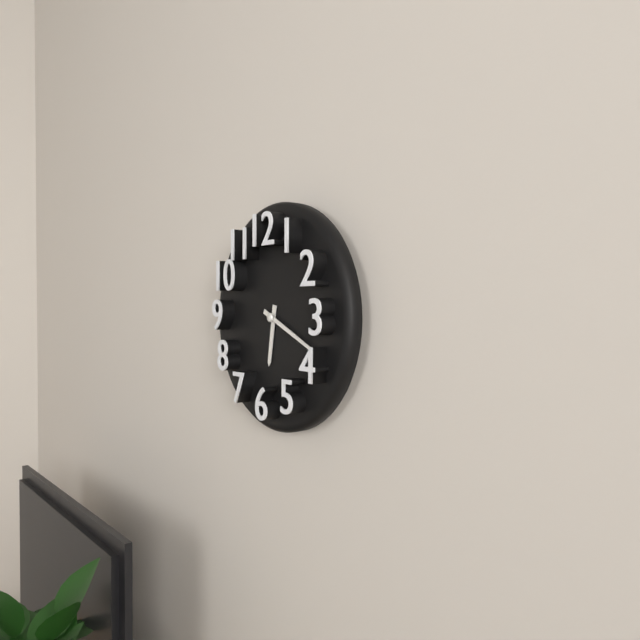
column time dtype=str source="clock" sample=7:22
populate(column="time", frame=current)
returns 6:19
